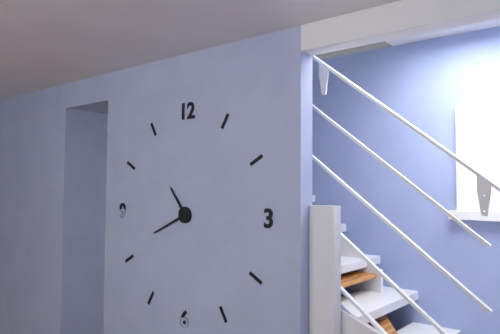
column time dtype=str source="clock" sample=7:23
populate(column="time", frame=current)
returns 10:41
